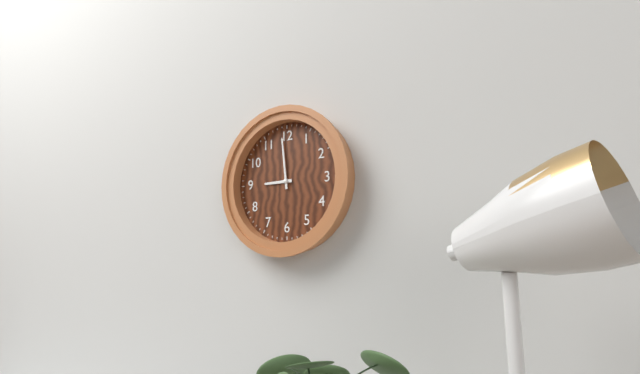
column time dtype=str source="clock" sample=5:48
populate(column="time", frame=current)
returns 8:59
